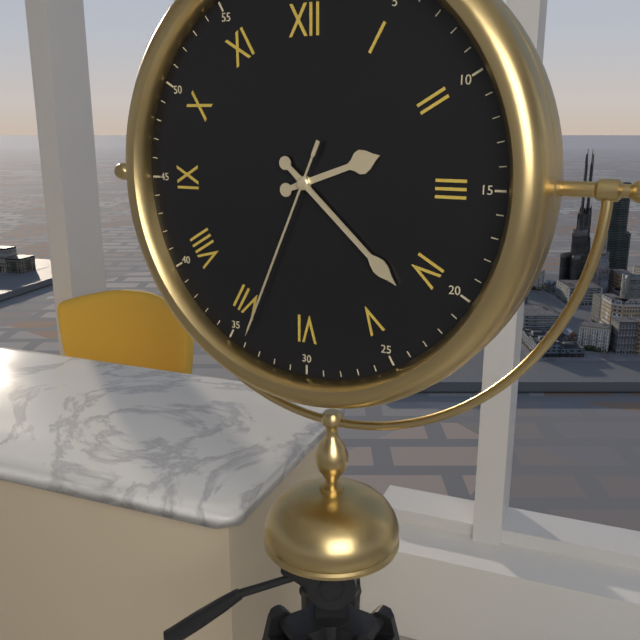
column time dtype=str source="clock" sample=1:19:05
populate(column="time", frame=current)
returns 2:22:34
